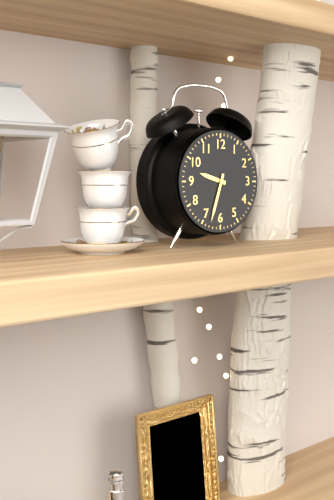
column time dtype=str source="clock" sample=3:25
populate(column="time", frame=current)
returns 9:33
